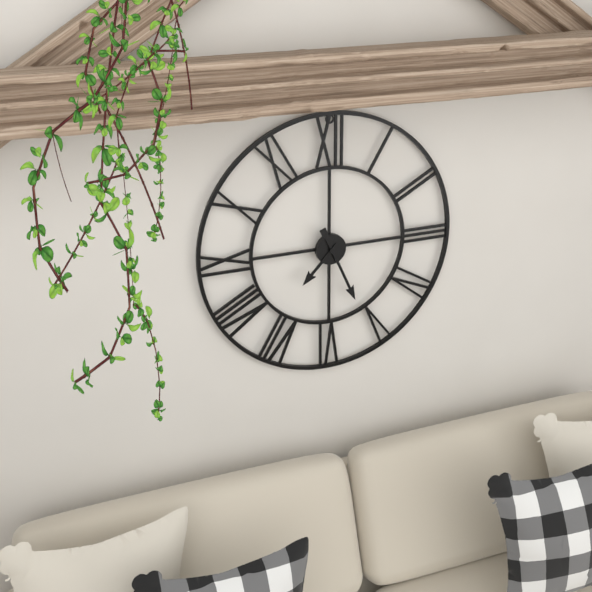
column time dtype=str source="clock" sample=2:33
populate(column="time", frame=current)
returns 7:26
